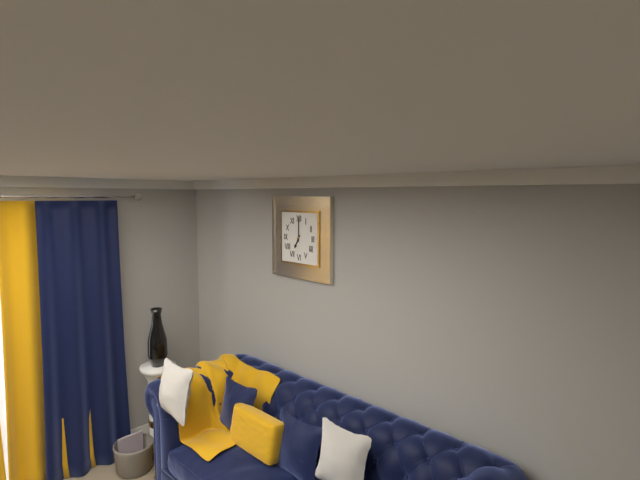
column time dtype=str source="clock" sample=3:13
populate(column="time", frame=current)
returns 7:00
